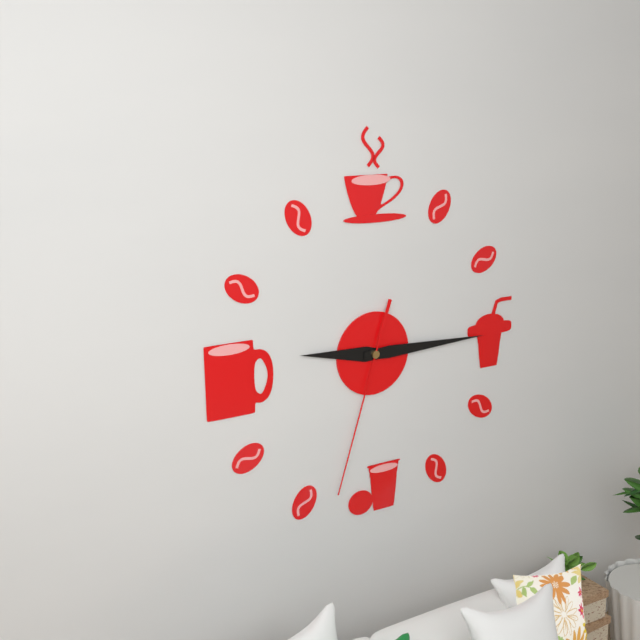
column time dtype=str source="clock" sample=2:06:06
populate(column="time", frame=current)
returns 9:15:33
